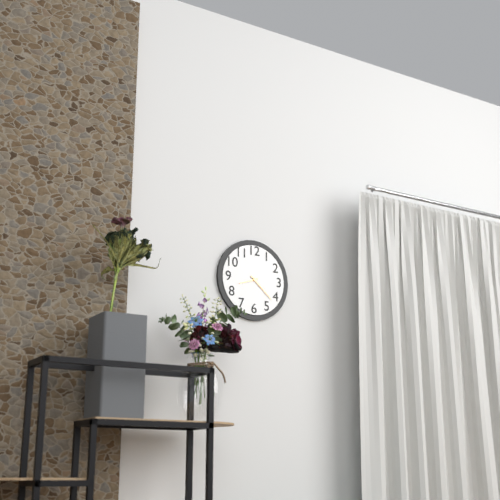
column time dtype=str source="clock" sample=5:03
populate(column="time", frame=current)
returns 8:22
